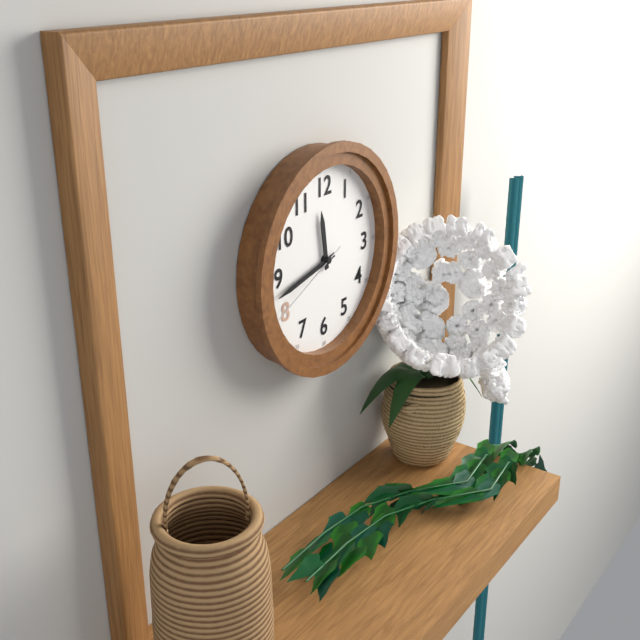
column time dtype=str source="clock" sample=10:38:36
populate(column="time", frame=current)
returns 11:43:41
